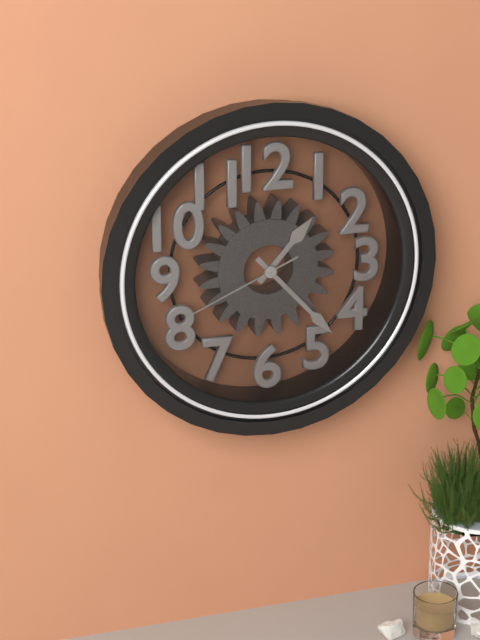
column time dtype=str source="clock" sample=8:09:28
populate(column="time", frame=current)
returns 1:23:41
